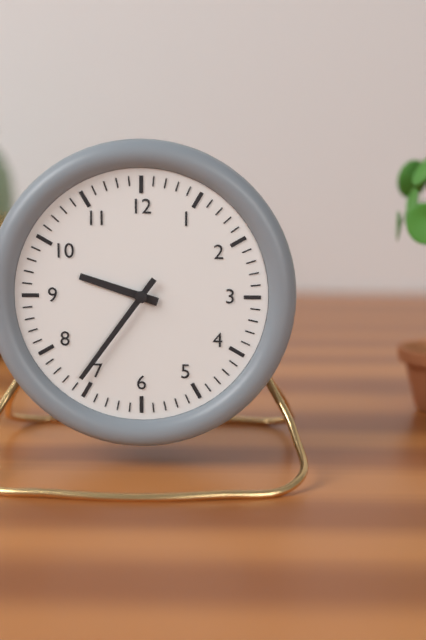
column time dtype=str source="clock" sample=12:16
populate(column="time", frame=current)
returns 9:36
